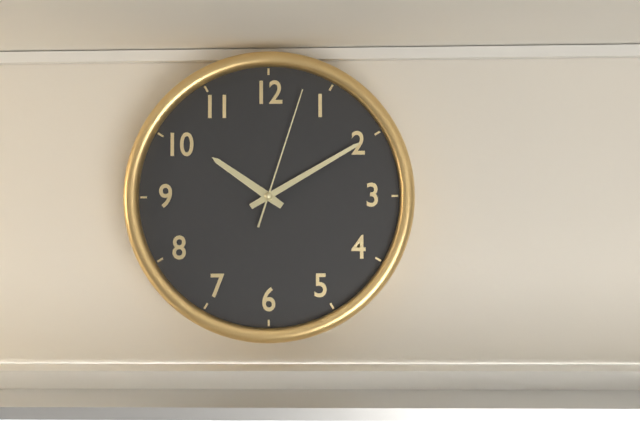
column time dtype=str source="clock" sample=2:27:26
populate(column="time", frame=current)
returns 10:10:03
